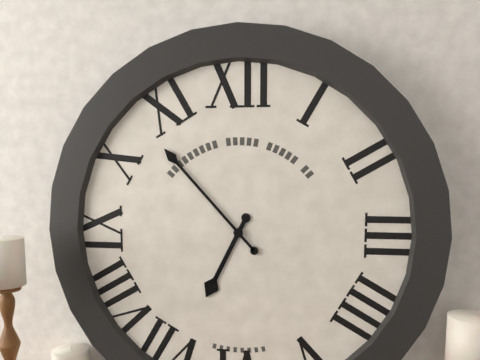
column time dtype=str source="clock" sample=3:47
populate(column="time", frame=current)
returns 6:53
